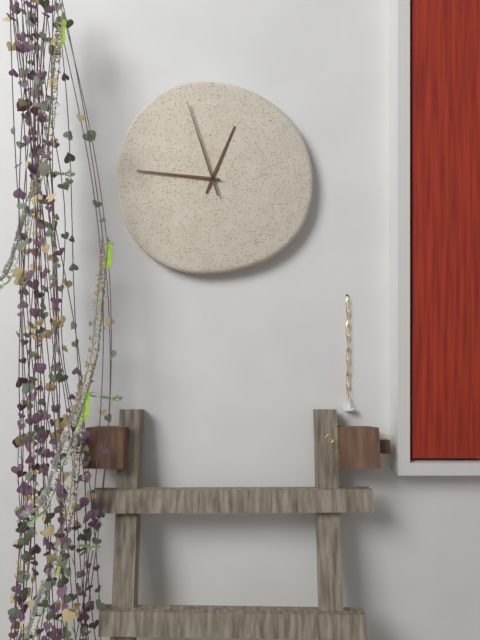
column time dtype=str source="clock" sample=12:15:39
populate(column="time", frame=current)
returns 12:46:57
